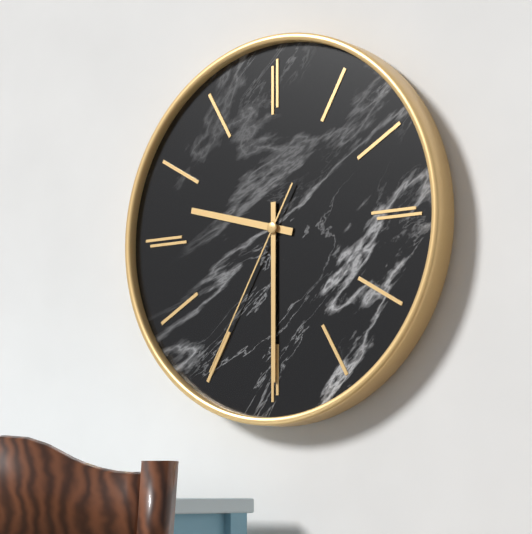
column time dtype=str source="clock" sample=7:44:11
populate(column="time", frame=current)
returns 9:30:35
